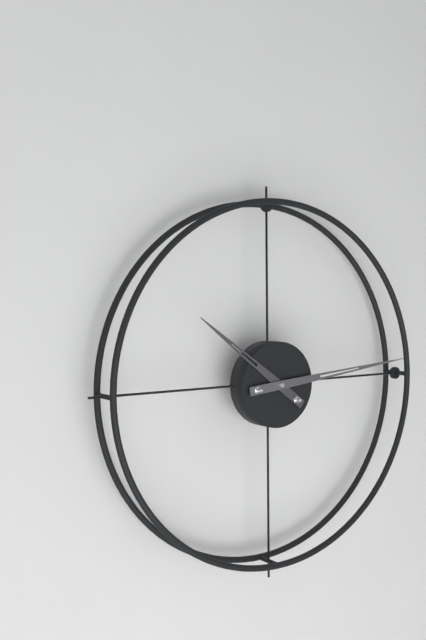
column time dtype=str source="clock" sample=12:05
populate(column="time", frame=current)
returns 10:14
